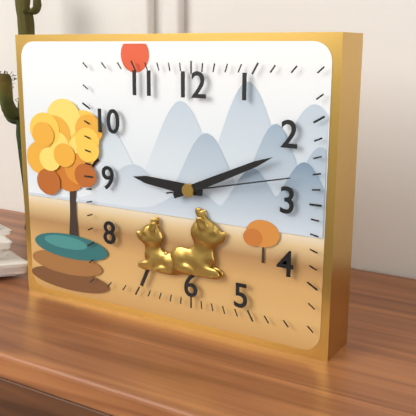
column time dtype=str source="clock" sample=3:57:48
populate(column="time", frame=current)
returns 9:11:13
